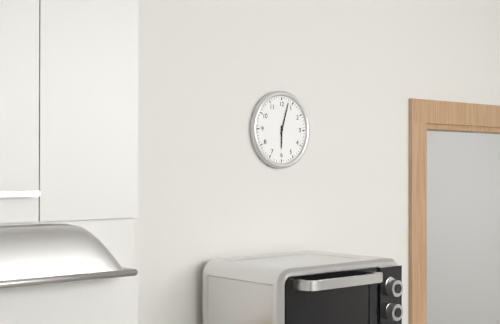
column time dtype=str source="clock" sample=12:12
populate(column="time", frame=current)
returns 6:03
